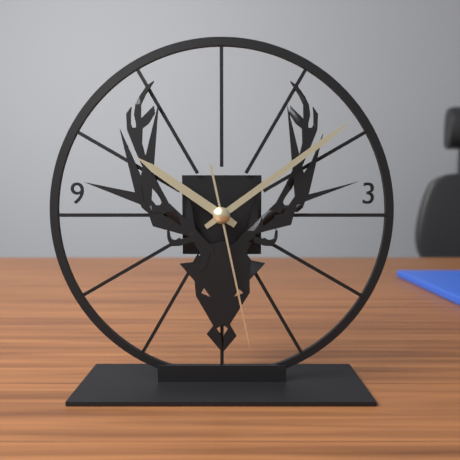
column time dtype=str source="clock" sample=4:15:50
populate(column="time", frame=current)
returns 10:09:28
